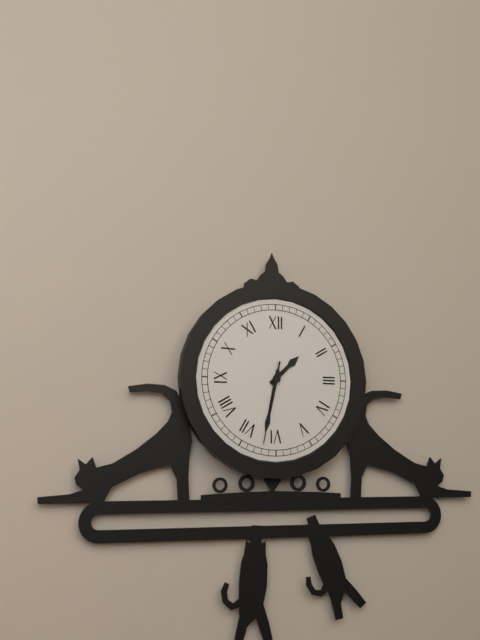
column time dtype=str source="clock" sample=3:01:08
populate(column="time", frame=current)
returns 1:32:32
